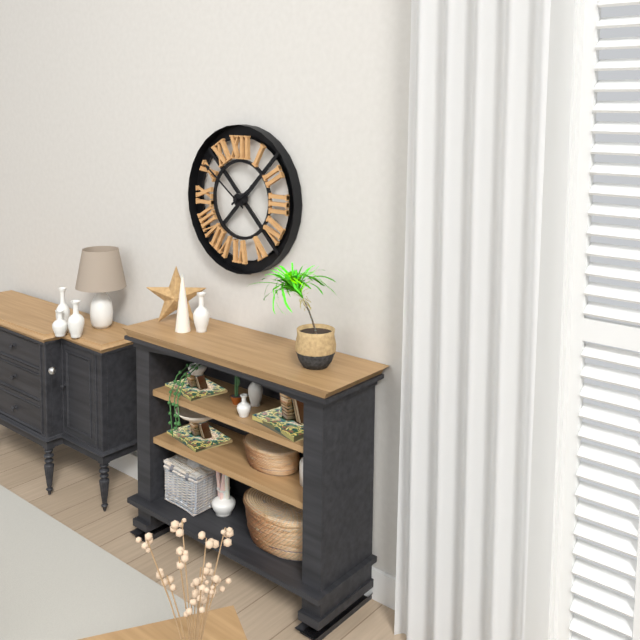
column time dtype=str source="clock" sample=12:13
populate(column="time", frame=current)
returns 1:51
